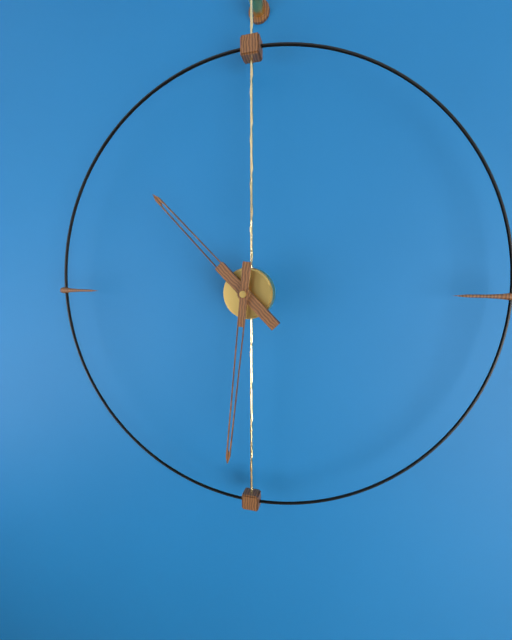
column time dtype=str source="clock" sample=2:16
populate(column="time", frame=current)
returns 10:31
